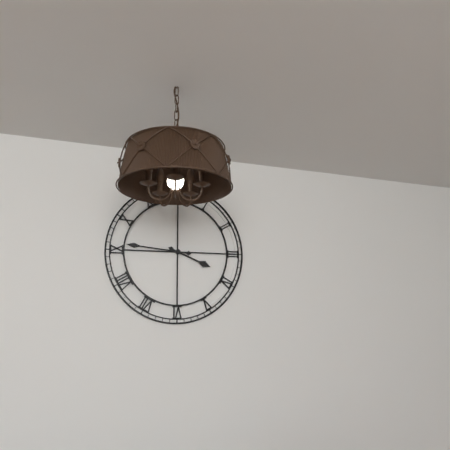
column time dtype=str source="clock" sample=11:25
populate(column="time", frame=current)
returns 3:46
